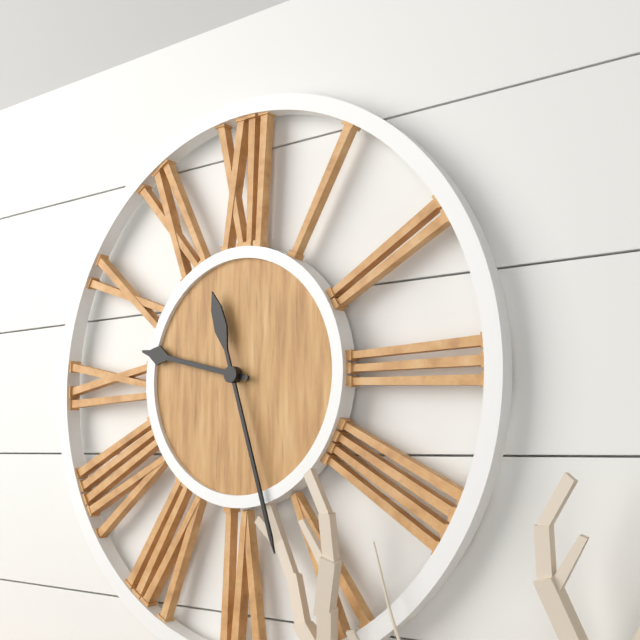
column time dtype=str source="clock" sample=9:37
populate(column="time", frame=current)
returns 9:27
